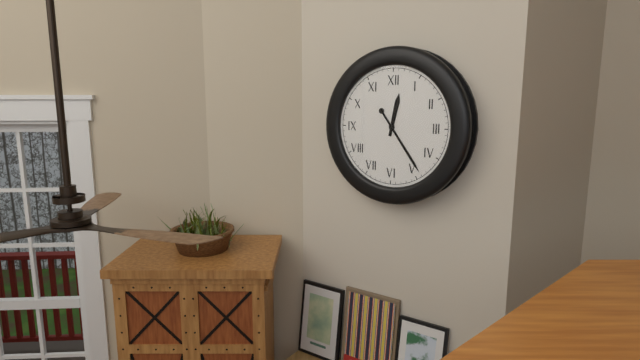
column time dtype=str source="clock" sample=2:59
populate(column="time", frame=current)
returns 12:24
